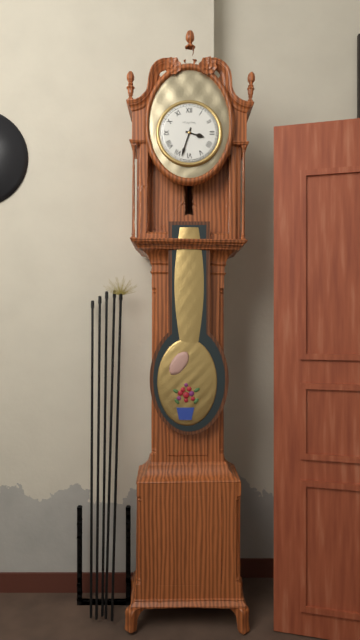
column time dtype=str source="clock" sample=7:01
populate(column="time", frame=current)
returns 3:33
